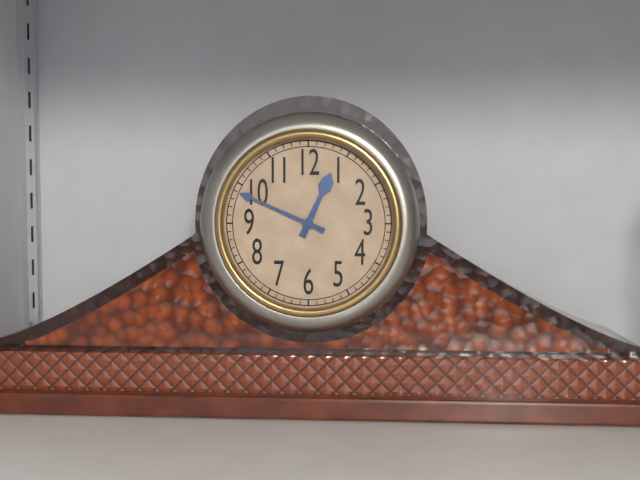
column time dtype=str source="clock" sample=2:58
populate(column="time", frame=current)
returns 12:49
